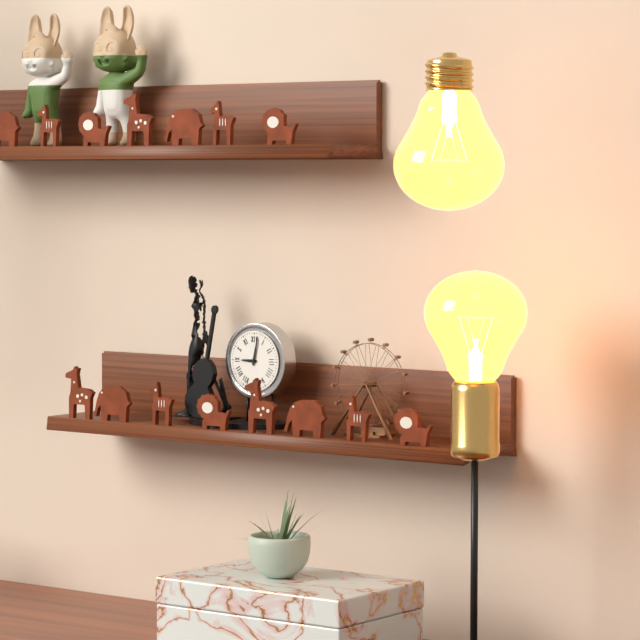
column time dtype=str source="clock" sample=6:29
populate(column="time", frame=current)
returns 9:02
